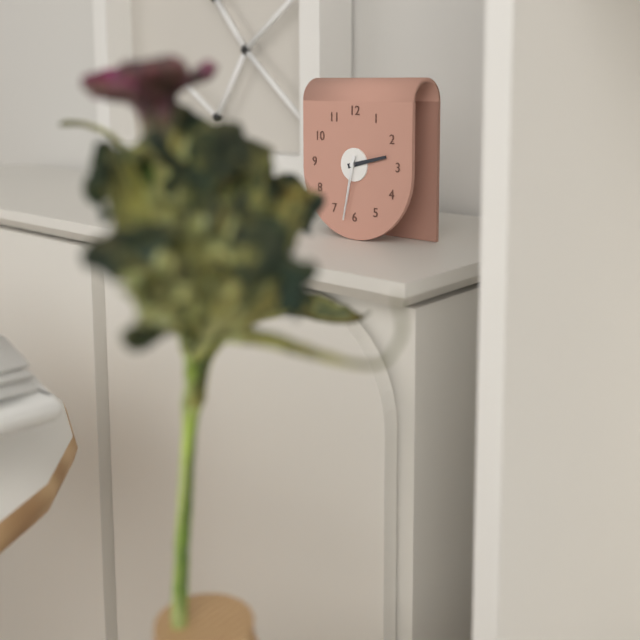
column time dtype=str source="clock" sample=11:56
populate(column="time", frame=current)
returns 2:32
